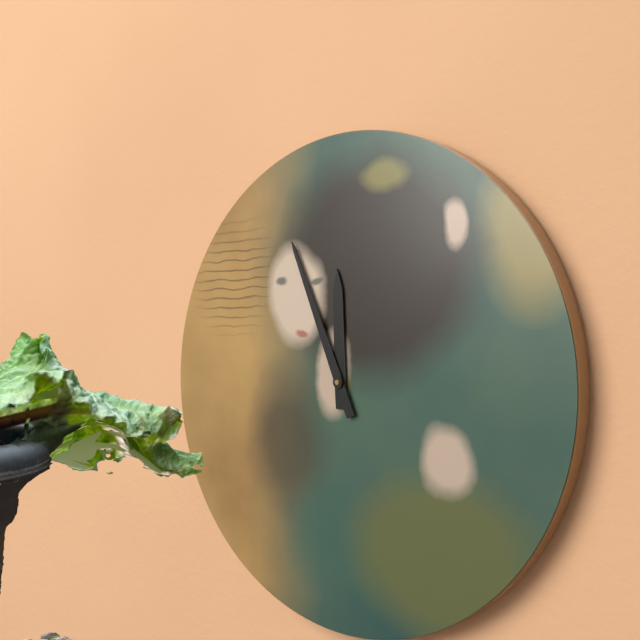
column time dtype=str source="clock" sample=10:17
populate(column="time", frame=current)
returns 11:56
